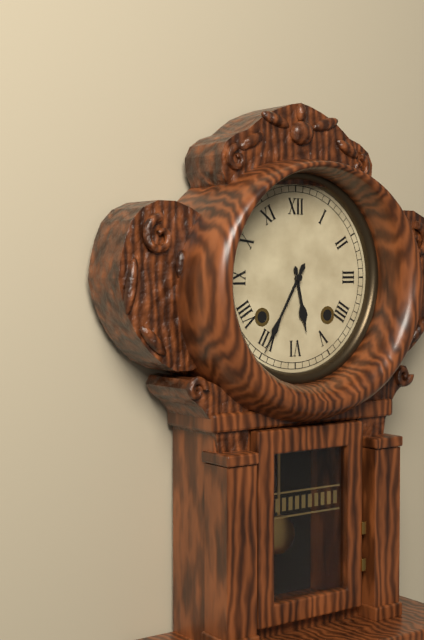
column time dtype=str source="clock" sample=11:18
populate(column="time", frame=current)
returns 5:35
